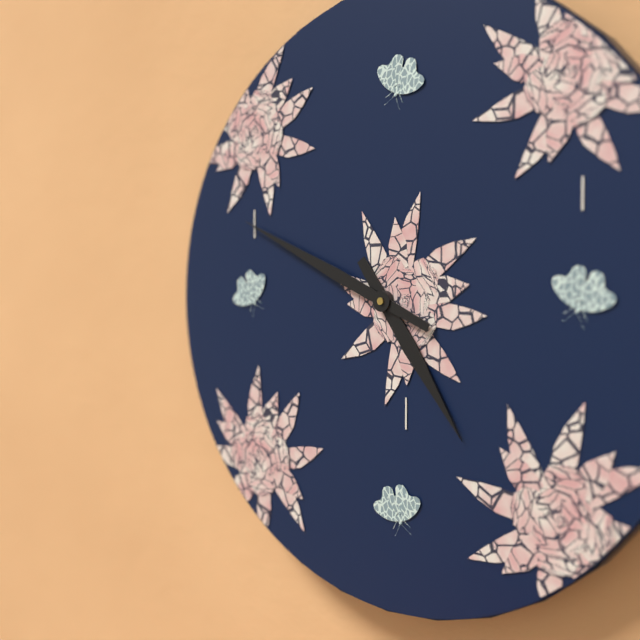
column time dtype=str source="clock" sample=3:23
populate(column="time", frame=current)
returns 4:49
